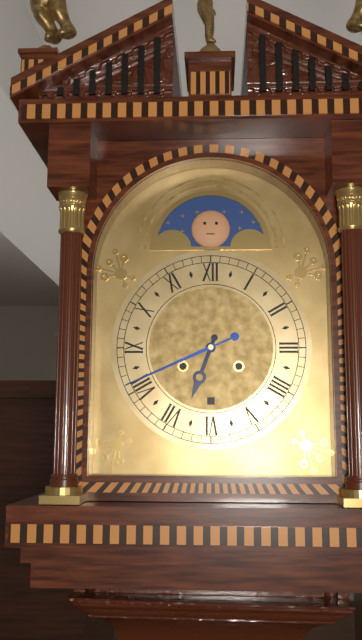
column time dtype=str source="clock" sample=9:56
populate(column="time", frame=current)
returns 6:41
